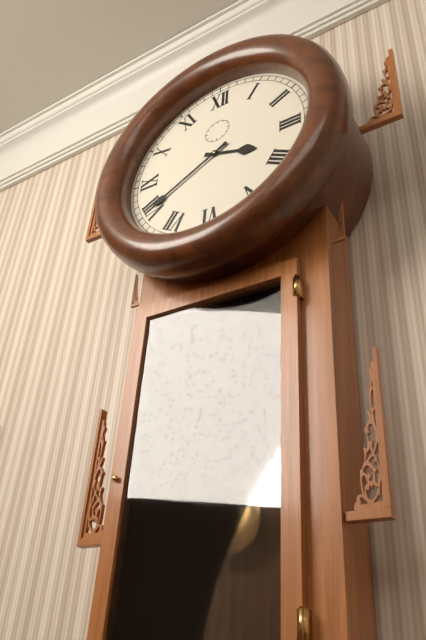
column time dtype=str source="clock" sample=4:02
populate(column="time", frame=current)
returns 3:40
